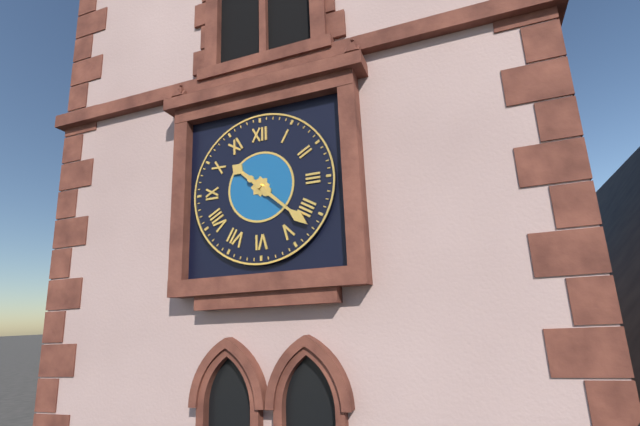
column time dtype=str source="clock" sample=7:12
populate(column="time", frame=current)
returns 10:22
